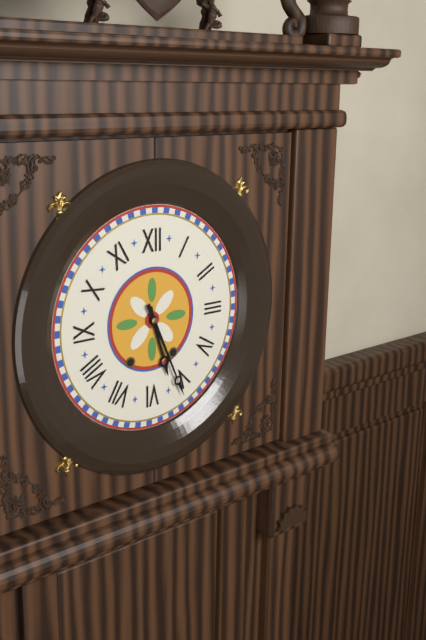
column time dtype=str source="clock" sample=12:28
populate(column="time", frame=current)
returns 5:26
